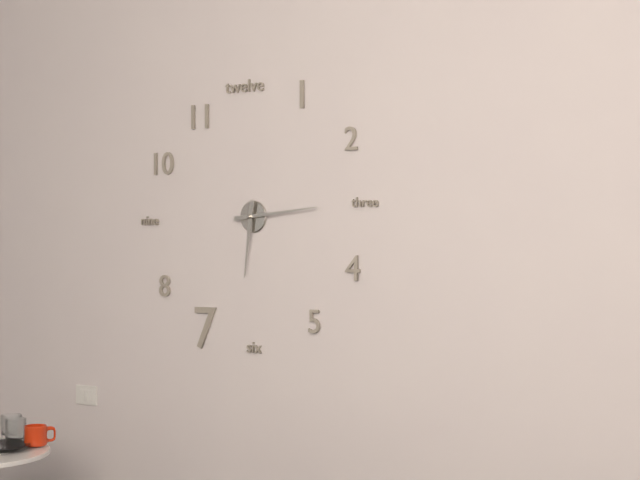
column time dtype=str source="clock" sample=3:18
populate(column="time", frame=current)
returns 6:14
